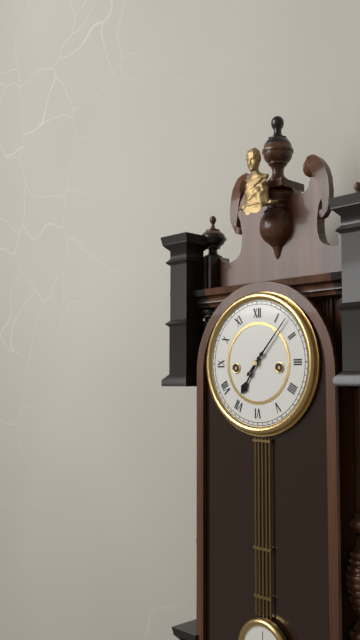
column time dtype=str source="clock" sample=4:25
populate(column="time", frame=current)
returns 7:07
